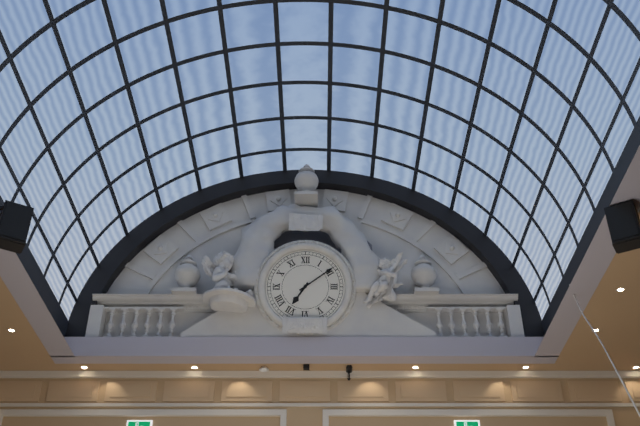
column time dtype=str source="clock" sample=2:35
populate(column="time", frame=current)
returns 7:09
